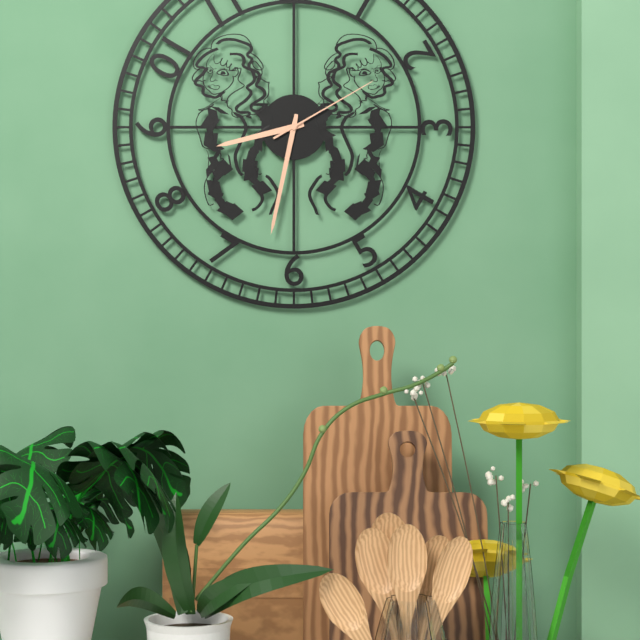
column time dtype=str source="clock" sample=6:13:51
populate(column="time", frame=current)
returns 8:32:10
